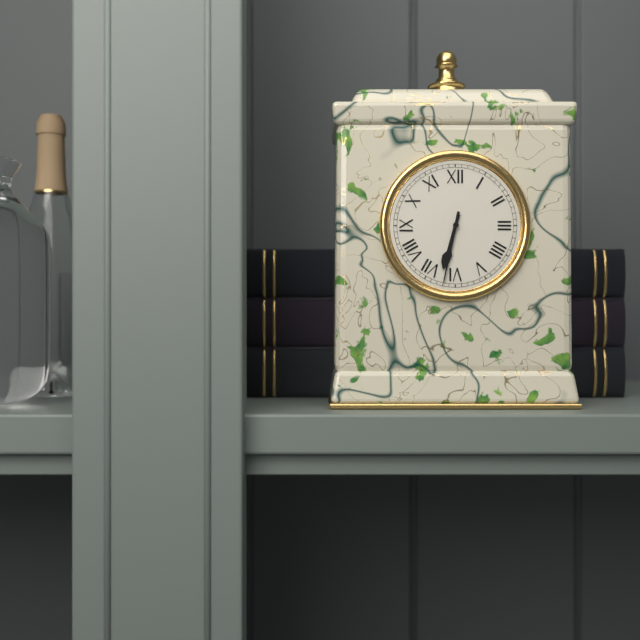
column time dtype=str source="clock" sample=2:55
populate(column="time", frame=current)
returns 6:32
